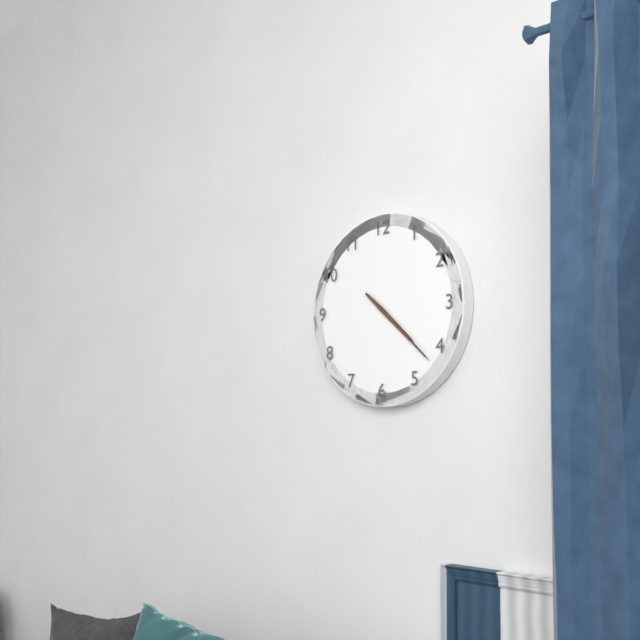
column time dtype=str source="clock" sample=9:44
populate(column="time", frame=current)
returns 4:22
